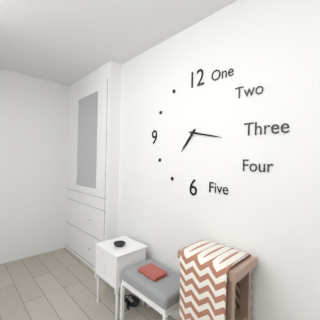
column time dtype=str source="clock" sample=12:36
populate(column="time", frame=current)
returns 7:17
